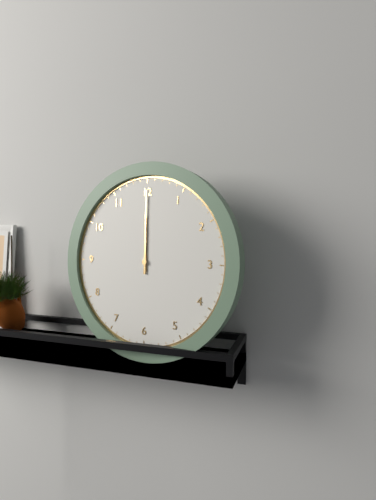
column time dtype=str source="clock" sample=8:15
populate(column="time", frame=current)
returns 12:00
